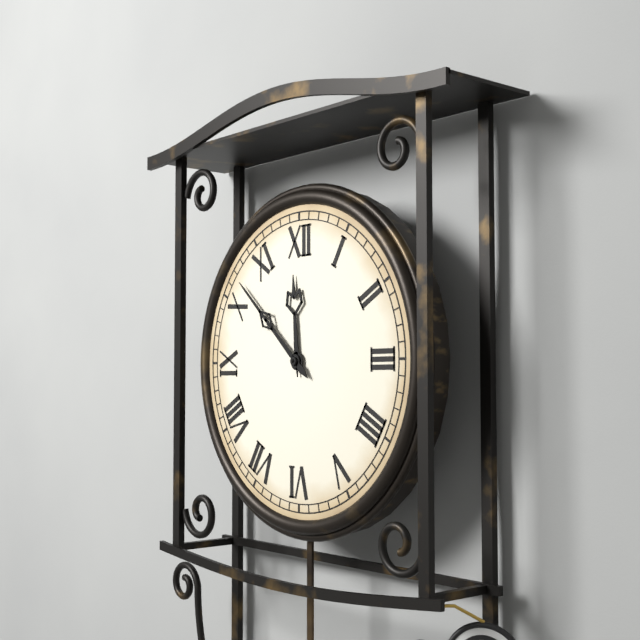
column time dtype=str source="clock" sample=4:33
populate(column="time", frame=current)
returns 11:52
